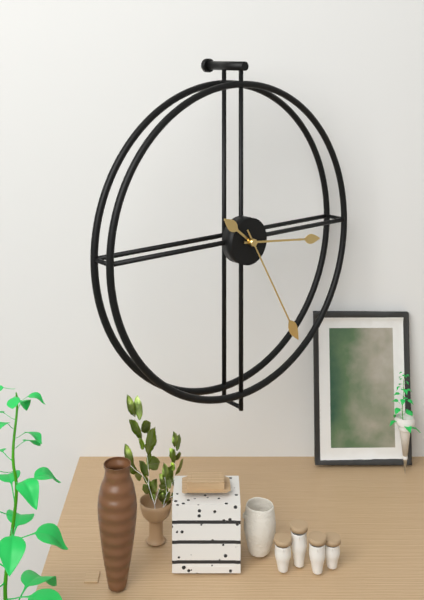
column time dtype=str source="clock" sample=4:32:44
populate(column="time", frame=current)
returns 10:16:25
